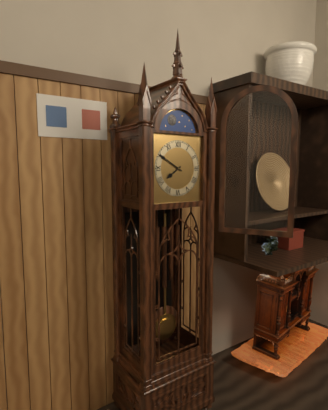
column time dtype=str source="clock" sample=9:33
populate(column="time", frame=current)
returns 7:50
